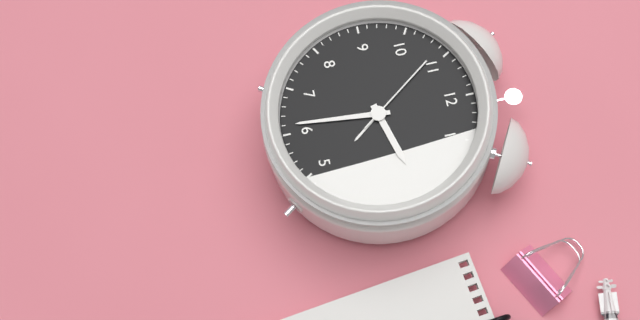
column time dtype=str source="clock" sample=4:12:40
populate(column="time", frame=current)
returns 2:31:54
